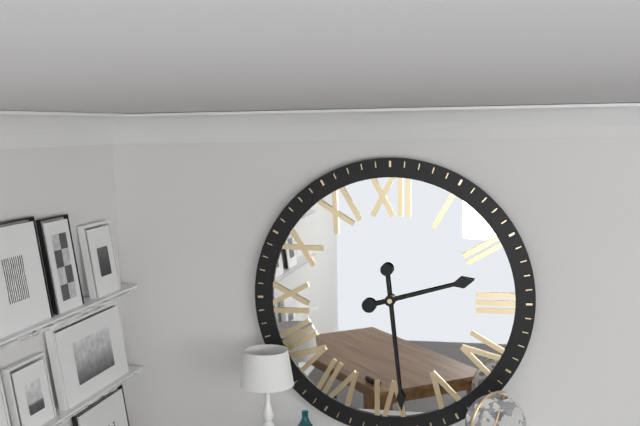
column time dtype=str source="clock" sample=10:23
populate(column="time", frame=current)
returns 2:29
